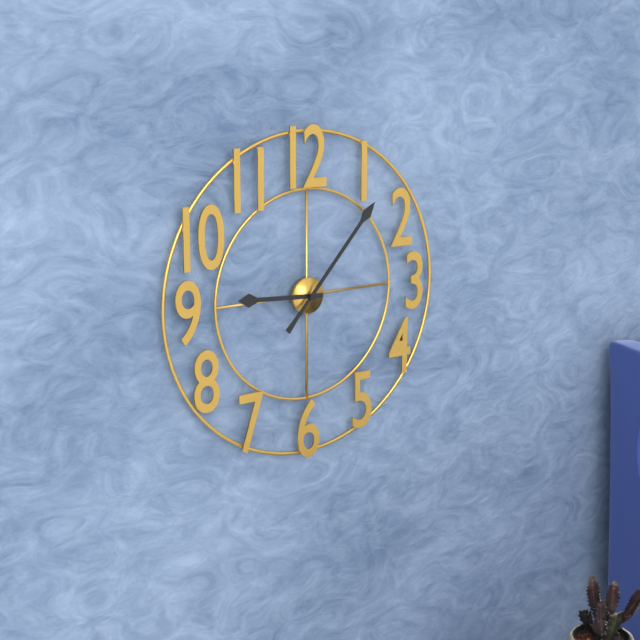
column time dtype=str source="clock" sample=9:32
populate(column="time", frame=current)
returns 9:07
